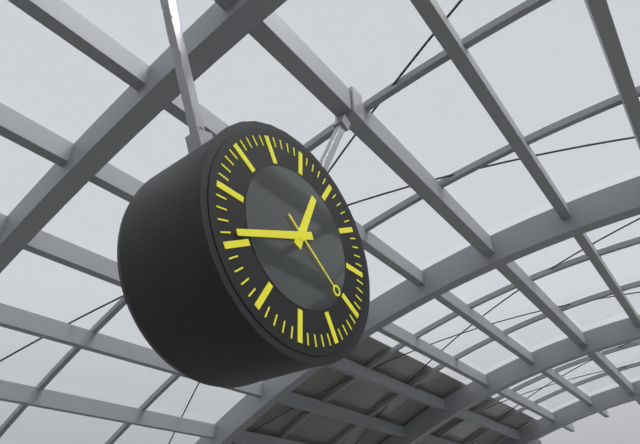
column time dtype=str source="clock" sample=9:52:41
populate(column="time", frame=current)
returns 12:41:21
